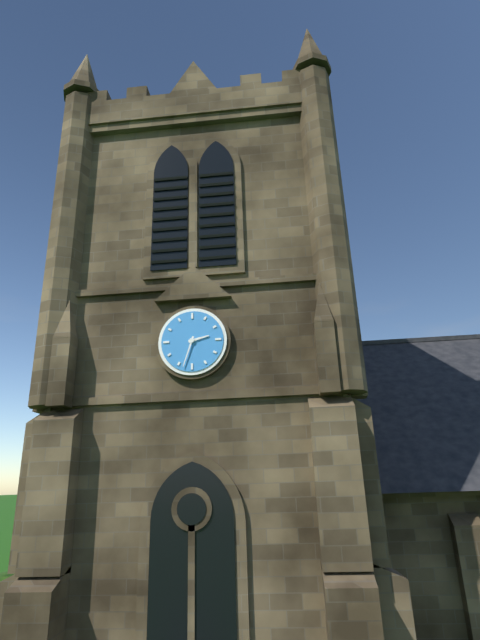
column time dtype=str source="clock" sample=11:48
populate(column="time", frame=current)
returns 2:33
